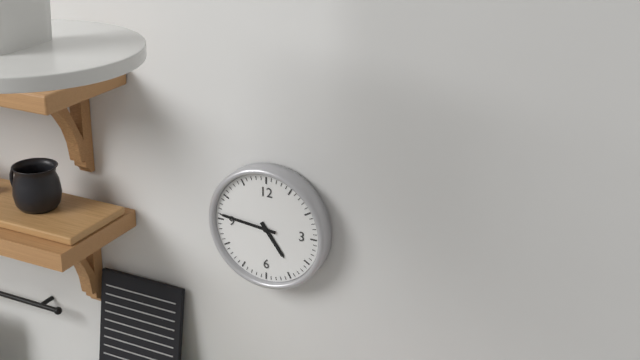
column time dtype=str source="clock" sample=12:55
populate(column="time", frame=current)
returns 4:46
